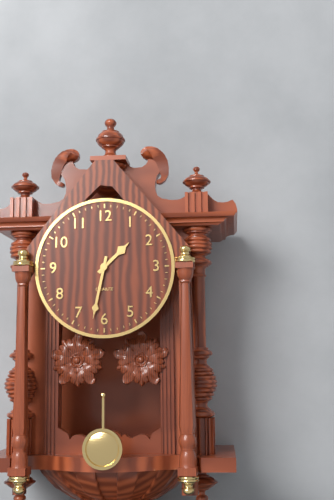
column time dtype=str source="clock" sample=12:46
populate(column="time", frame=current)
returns 1:32
